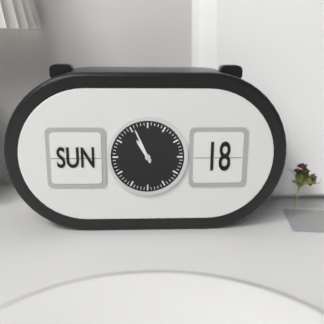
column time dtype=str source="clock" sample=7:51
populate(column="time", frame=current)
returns 10:56
